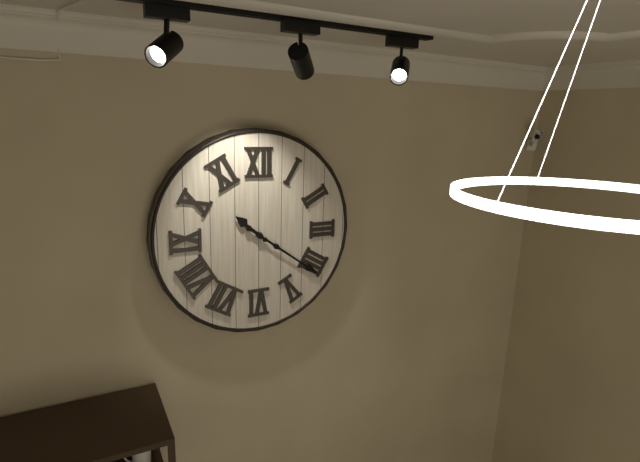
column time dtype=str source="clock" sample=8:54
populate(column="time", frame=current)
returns 10:21
